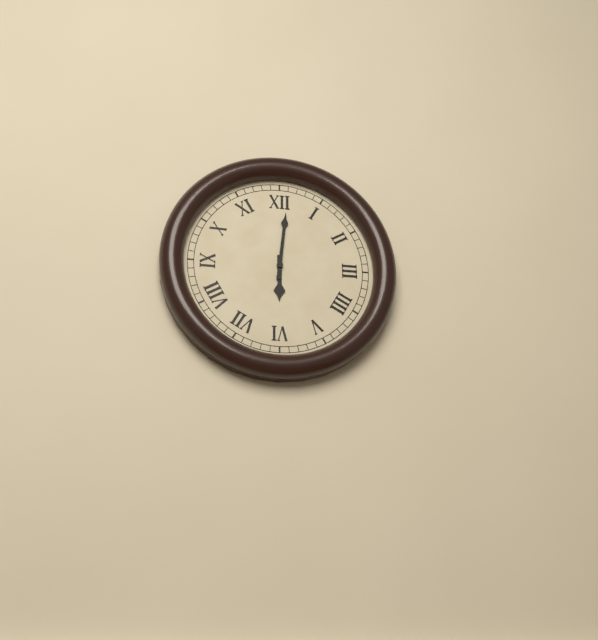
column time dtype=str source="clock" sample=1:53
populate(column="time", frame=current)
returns 6:01
